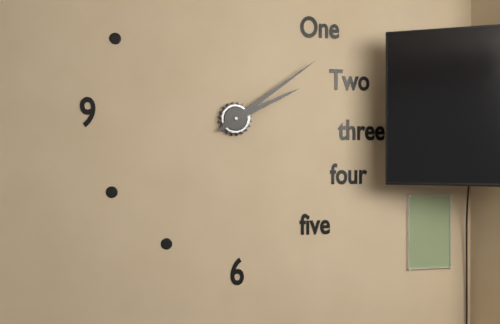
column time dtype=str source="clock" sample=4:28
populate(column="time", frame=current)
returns 2:09
